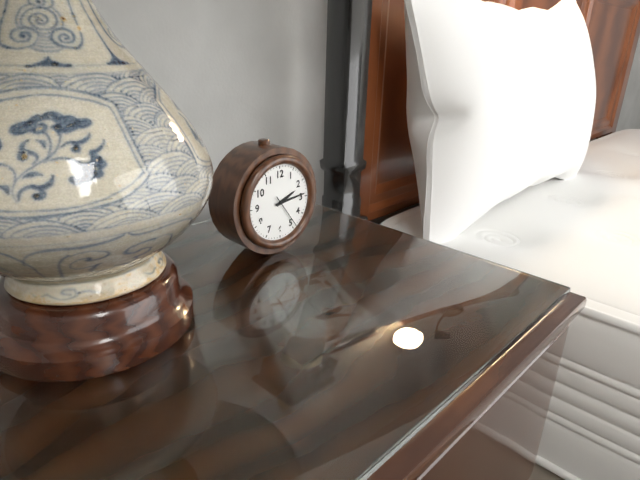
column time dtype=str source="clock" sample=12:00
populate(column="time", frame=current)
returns 2:14
